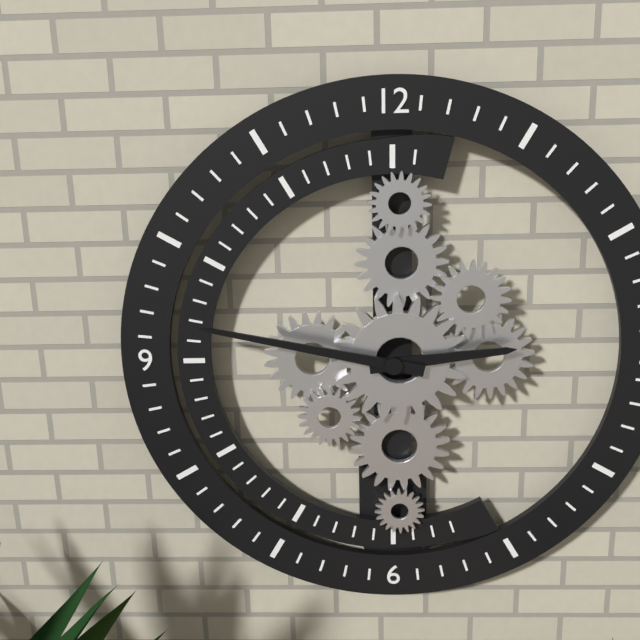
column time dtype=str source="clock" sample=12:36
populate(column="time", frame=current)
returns 2:47
